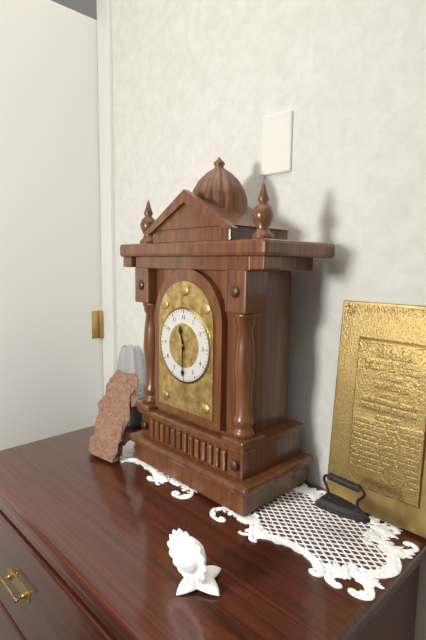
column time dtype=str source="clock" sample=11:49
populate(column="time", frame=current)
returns 11:30
